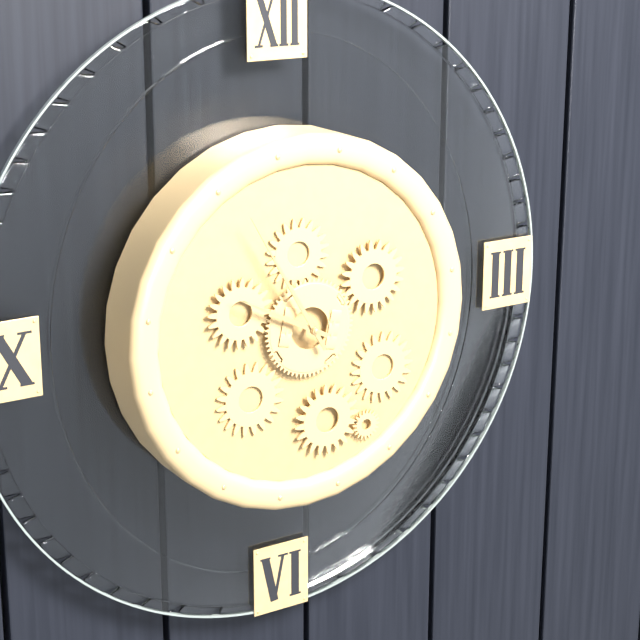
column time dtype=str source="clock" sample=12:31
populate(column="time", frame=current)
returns 9:55
